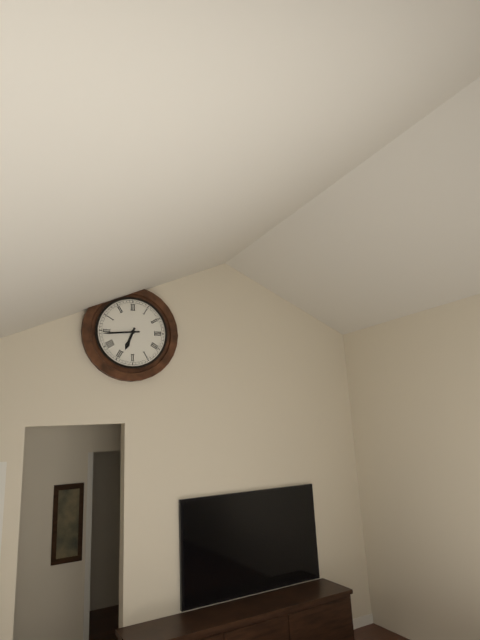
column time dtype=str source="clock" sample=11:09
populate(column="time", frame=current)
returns 6:44
